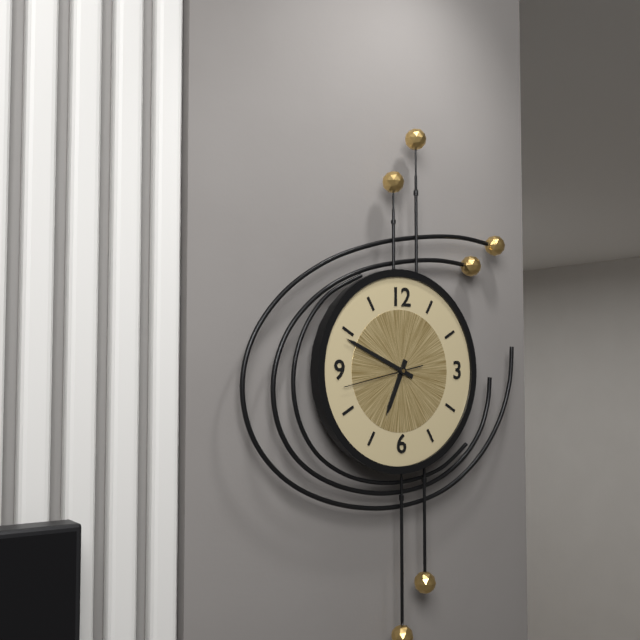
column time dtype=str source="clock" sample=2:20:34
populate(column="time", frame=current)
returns 6:49:43
